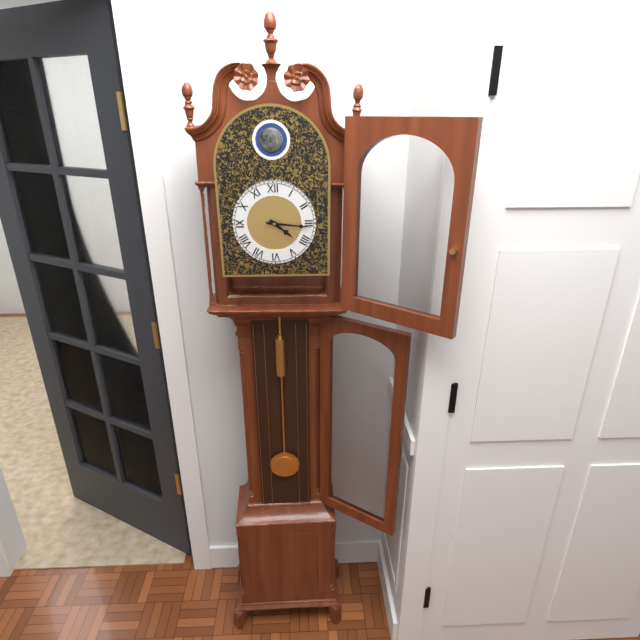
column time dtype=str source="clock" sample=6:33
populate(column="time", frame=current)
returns 4:16
